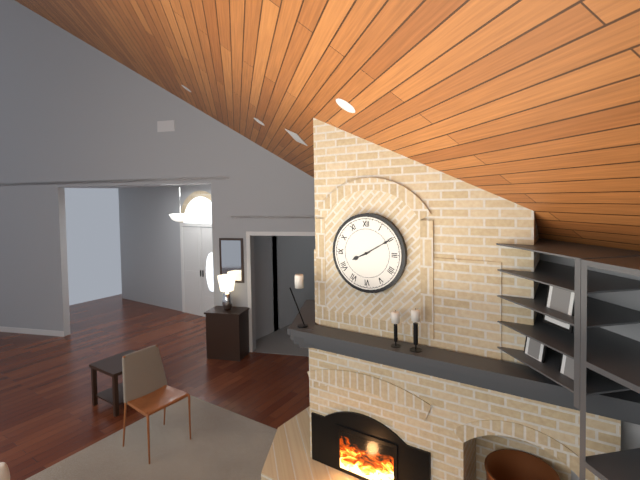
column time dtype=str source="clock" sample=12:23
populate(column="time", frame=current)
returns 8:10
